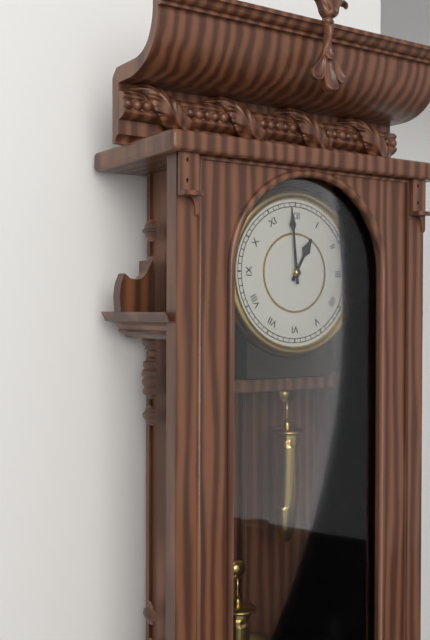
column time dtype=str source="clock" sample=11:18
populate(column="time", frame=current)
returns 12:59
